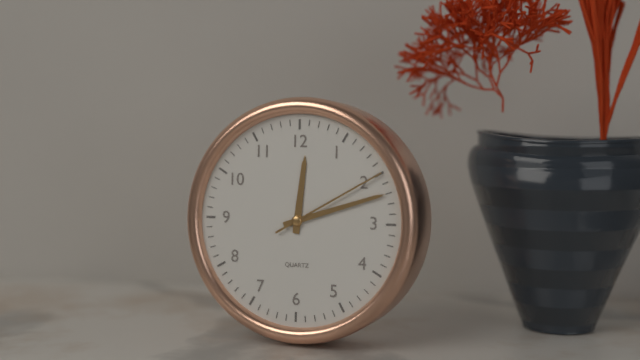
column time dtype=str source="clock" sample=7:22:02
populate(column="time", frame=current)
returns 12:12:10
